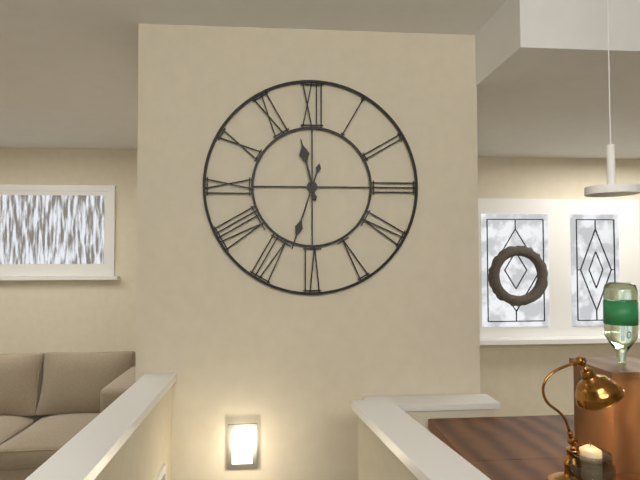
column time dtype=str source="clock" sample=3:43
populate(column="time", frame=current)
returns 11:33
